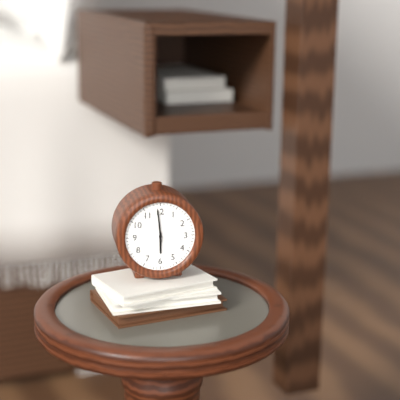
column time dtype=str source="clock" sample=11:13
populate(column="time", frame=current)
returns 5:59
